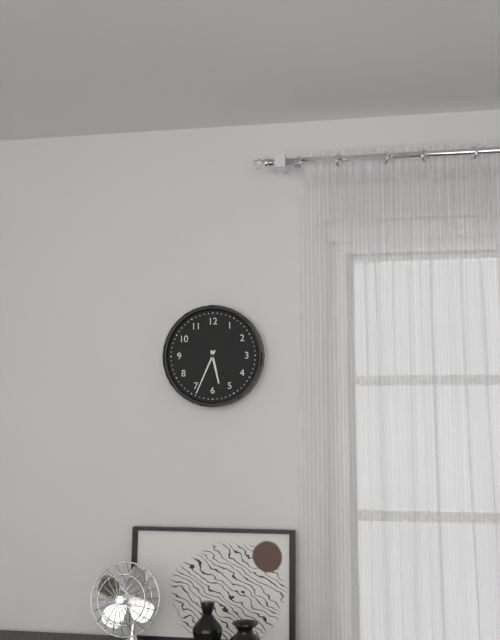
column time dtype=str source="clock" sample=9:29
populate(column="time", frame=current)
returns 5:34
